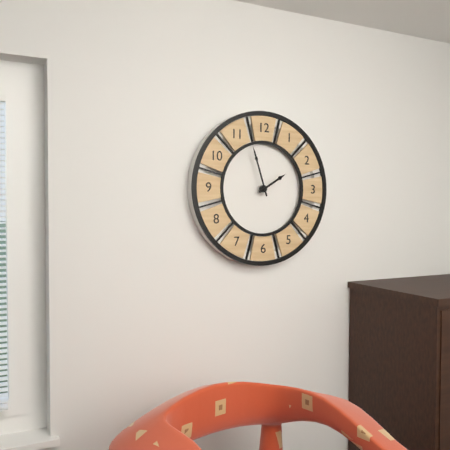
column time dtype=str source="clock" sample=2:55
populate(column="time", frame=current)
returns 1:57
